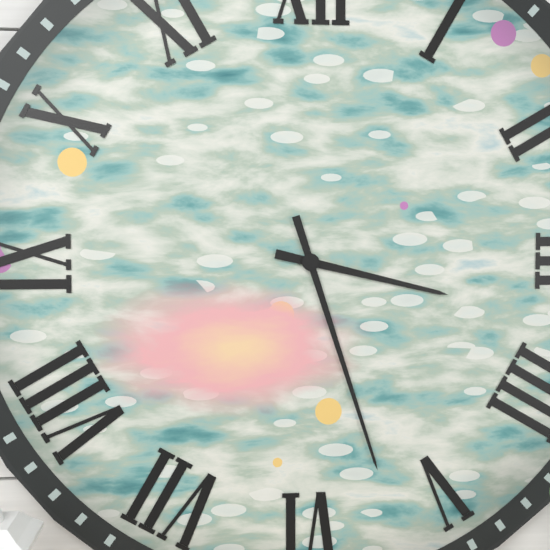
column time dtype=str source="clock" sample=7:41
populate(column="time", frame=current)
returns 3:27
